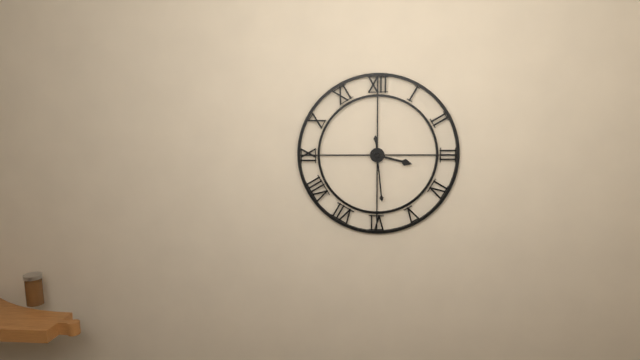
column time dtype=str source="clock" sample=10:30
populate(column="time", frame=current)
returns 3:29
